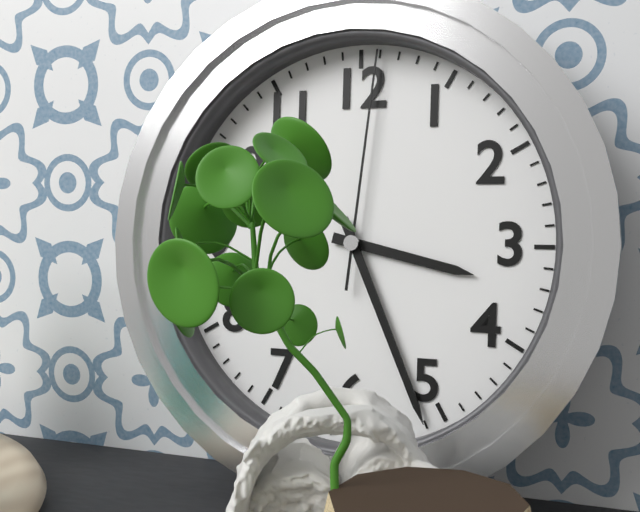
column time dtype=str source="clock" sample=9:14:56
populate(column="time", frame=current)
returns 3:26:01
